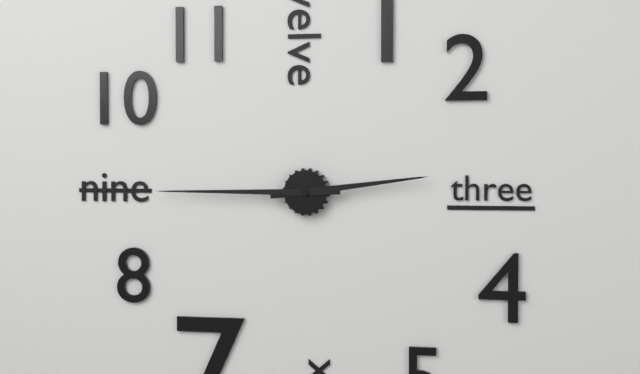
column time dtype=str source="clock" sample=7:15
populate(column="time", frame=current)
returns 2:45
